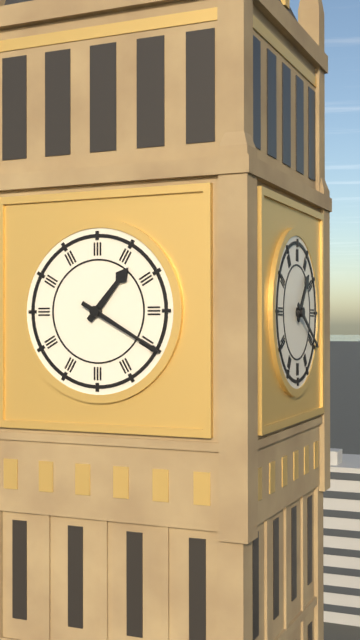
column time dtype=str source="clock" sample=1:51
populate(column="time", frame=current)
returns 1:20
